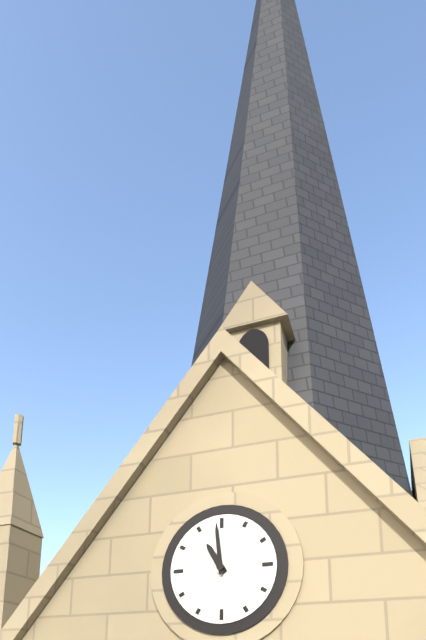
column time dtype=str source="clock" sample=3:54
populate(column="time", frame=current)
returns 10:59
